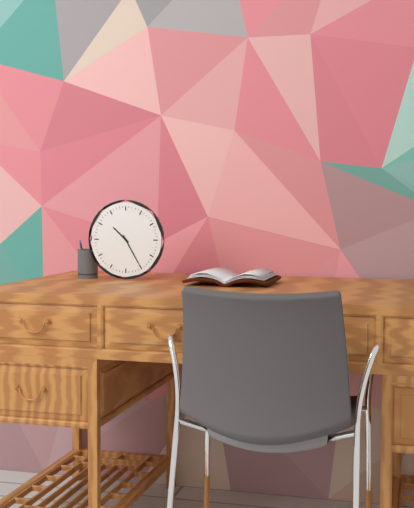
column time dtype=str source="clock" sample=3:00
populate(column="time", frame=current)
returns 10:25
